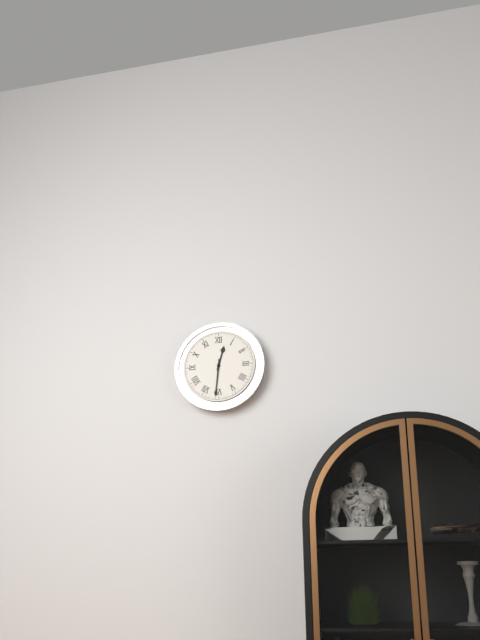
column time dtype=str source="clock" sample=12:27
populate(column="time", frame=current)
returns 12:31
